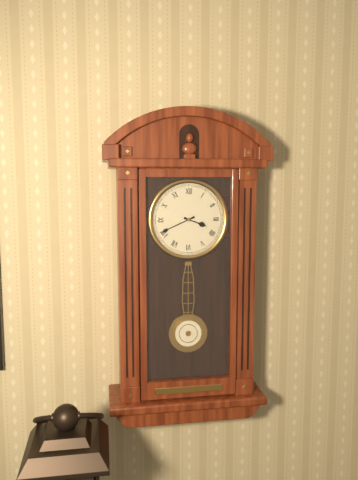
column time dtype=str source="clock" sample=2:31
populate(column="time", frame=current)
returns 3:41
